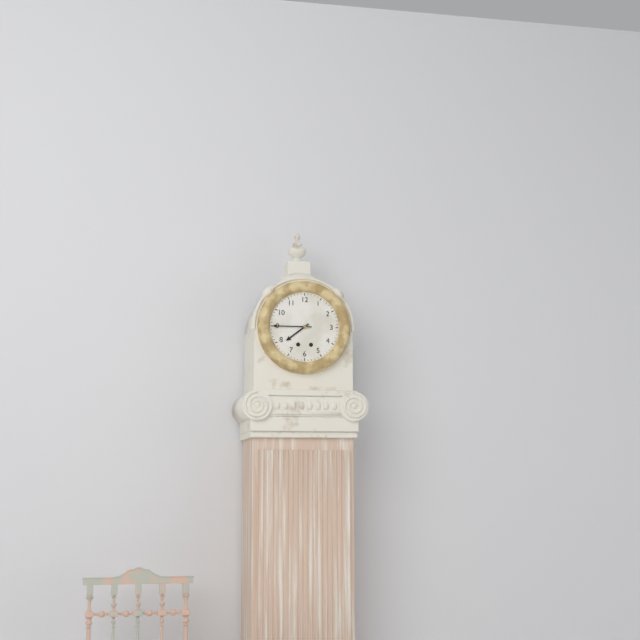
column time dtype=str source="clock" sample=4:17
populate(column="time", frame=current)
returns 7:45
